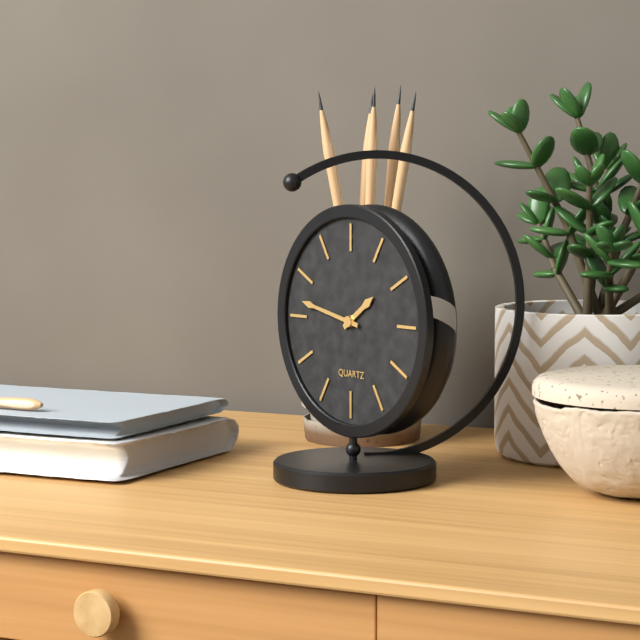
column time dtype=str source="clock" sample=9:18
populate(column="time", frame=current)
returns 1:47
